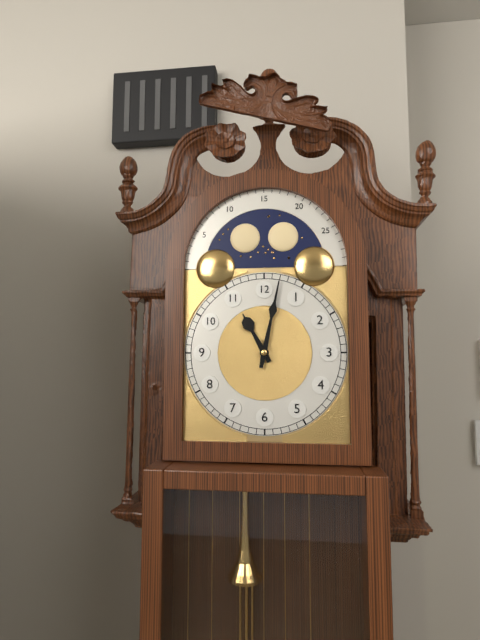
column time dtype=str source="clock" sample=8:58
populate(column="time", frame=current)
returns 11:02
